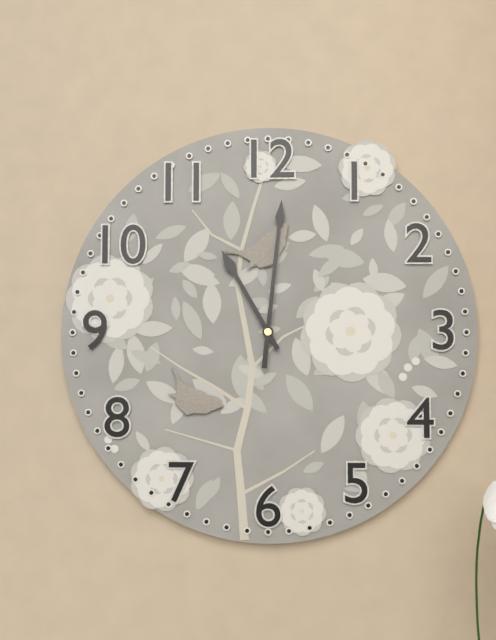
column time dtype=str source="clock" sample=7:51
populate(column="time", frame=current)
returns 11:01
